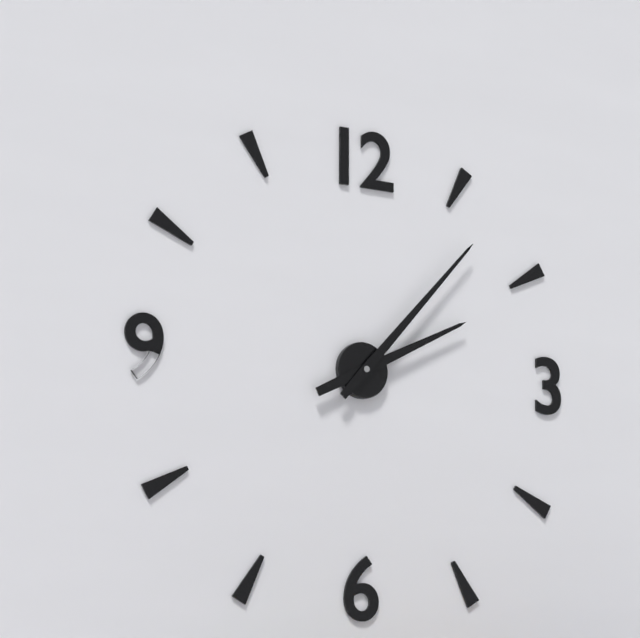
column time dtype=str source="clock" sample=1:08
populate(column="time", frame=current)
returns 2:07
